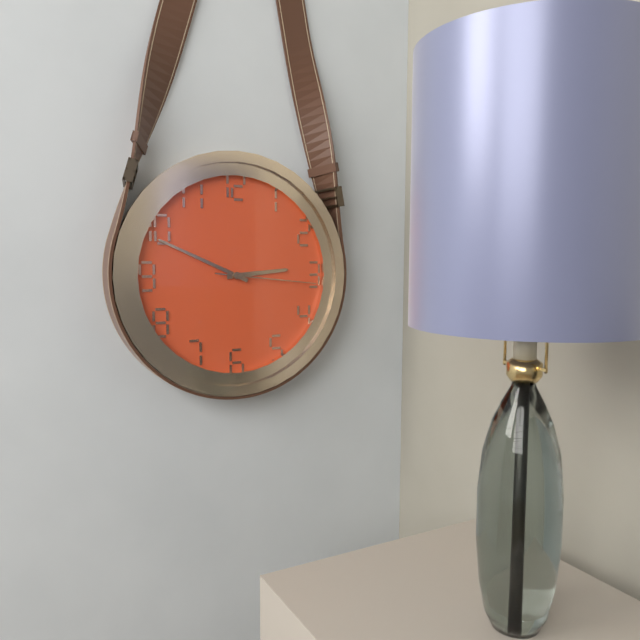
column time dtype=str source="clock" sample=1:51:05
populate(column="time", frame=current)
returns 2:49:16
